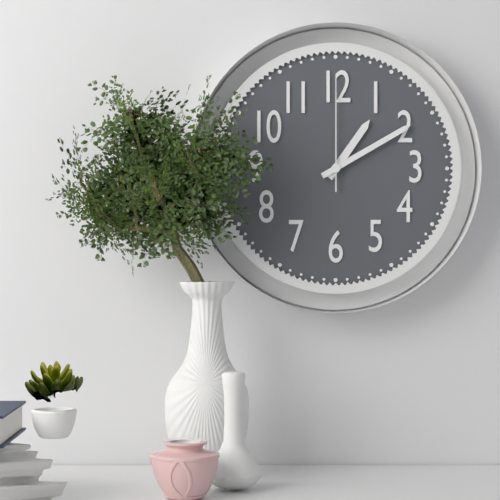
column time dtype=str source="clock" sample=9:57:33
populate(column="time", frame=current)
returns 1:10:00
